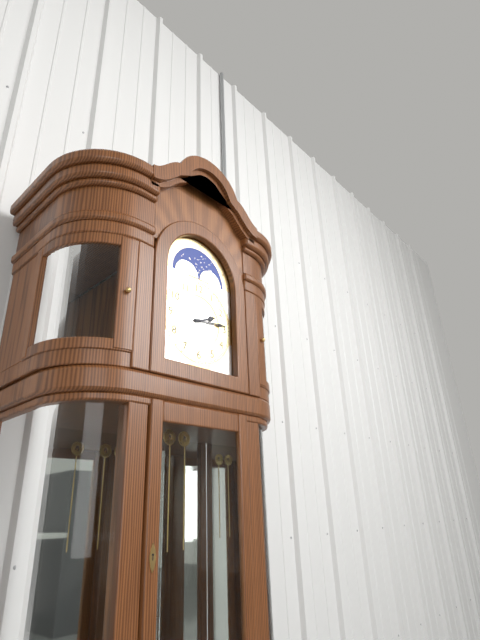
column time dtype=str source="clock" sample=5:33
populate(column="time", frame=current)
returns 2:14
